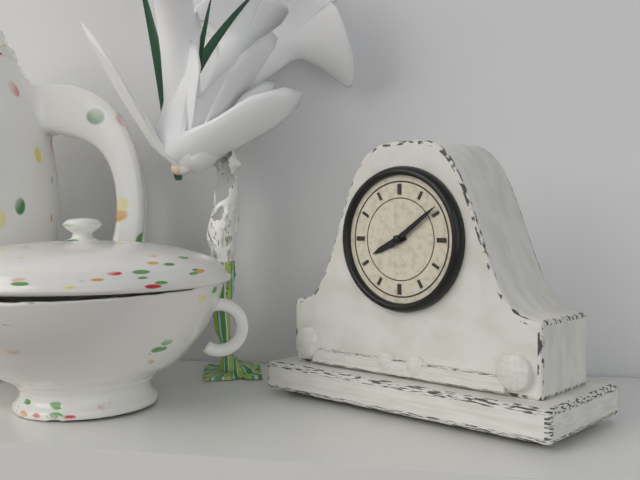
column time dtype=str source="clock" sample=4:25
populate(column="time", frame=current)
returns 8:09
